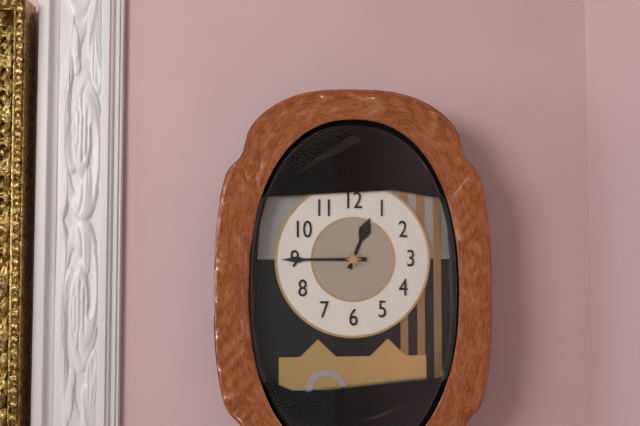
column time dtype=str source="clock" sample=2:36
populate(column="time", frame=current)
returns 12:45
